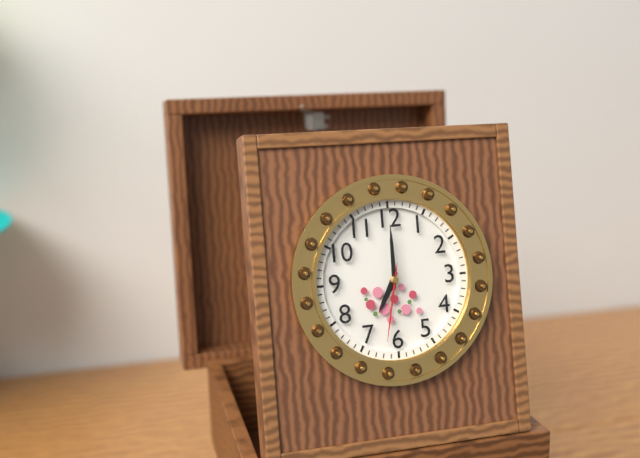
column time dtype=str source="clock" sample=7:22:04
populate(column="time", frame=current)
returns 7:00:32
